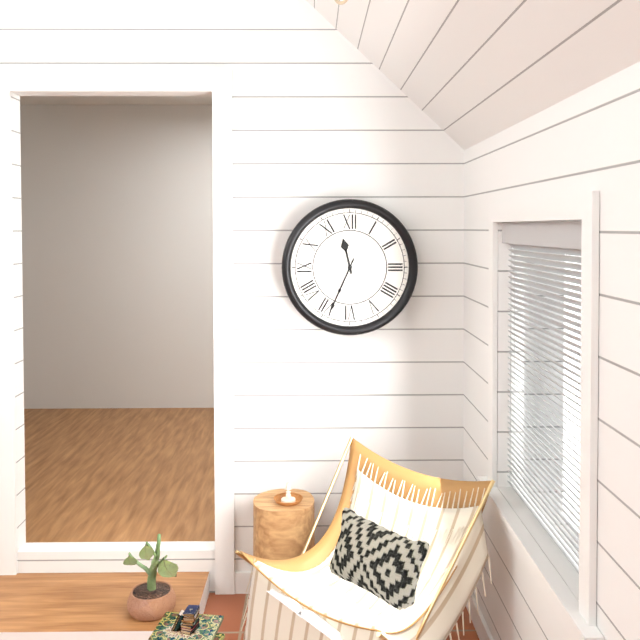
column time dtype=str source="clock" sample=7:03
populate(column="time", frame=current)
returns 11:34
